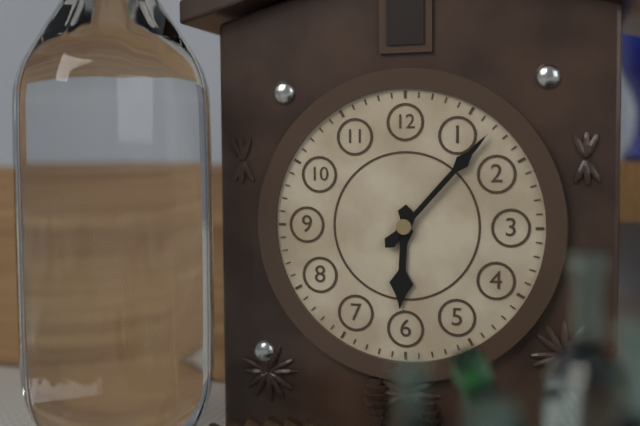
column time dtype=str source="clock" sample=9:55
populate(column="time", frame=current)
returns 6:07
